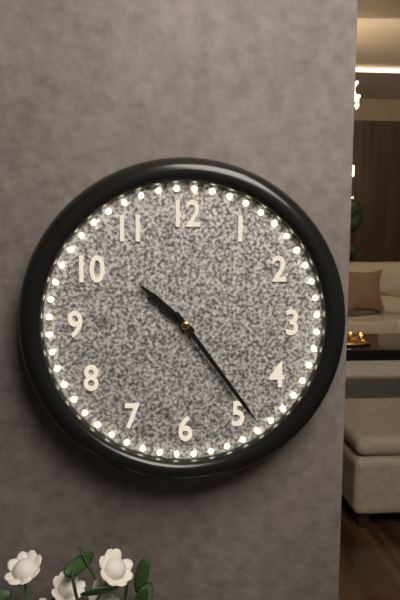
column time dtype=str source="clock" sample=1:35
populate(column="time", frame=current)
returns 10:24
